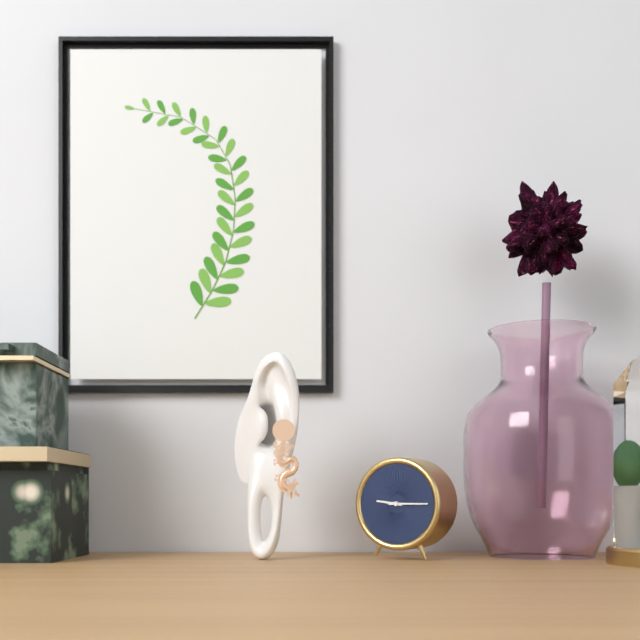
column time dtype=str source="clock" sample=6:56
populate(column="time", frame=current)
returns 9:15
